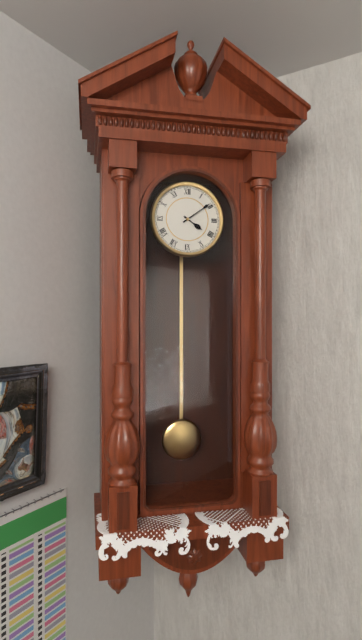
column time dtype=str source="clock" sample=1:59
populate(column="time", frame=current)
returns 4:09
